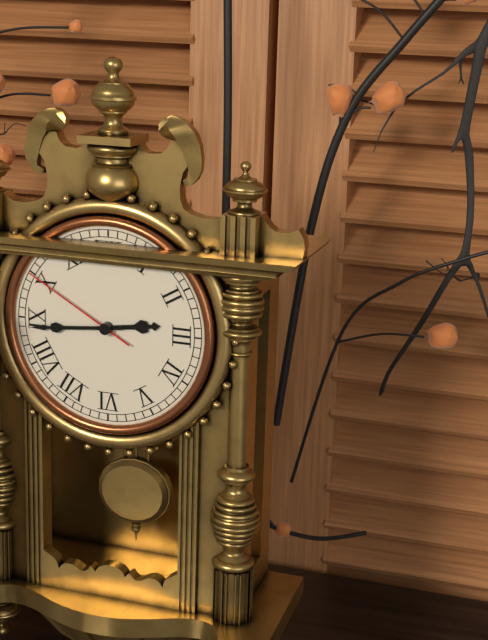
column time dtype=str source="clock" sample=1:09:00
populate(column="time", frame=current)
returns 2:44:50
